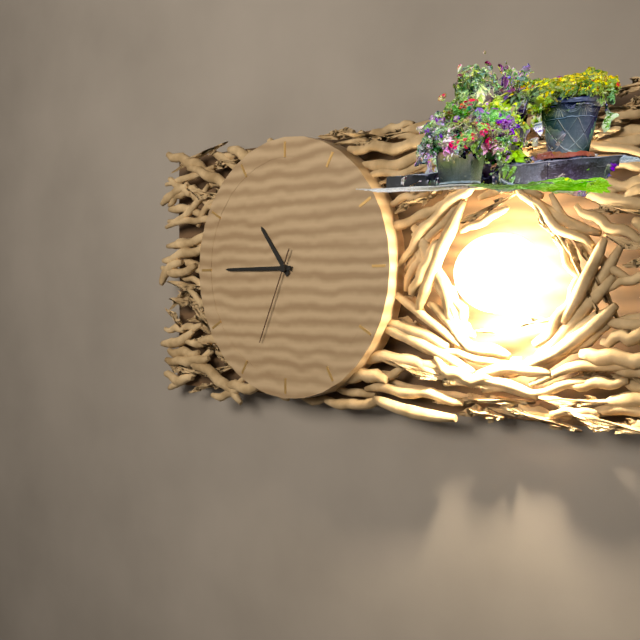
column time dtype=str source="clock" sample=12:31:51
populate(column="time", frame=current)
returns 10:45:34
